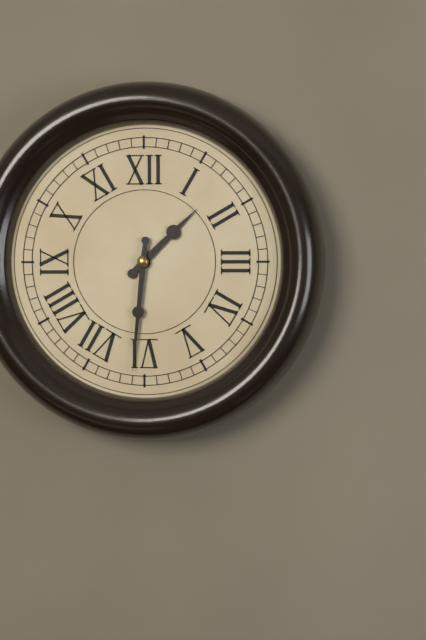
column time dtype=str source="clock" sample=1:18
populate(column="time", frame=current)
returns 1:31
